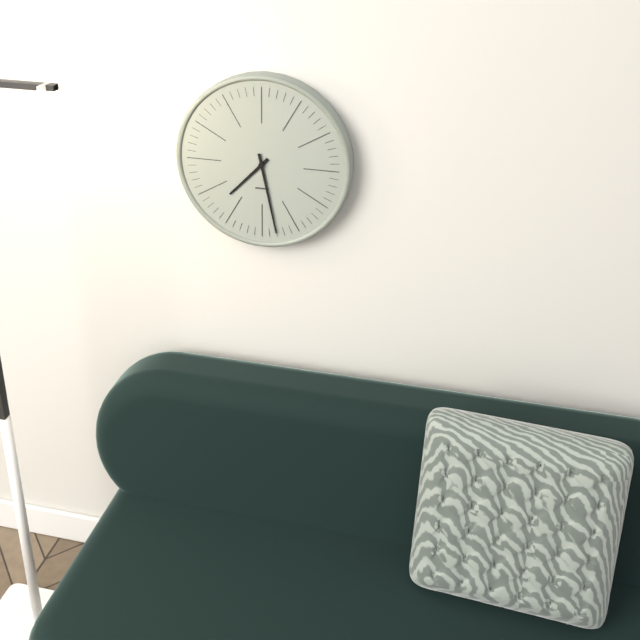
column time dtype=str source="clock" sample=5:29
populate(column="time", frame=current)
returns 7:28
